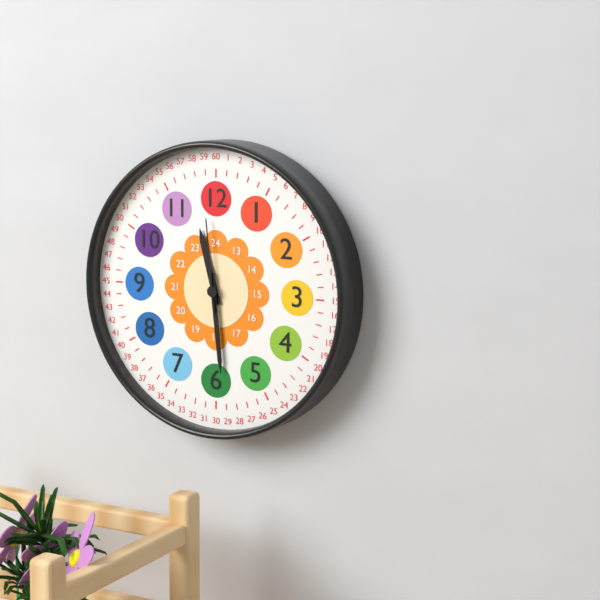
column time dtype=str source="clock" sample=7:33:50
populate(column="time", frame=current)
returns 11:29:59
